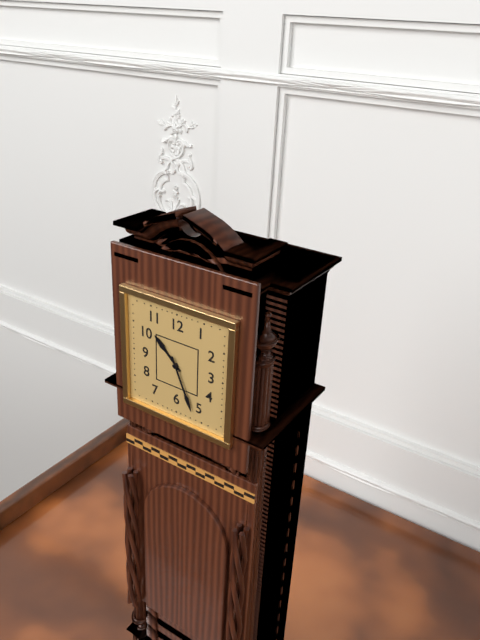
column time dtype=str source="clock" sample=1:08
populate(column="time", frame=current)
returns 10:26
